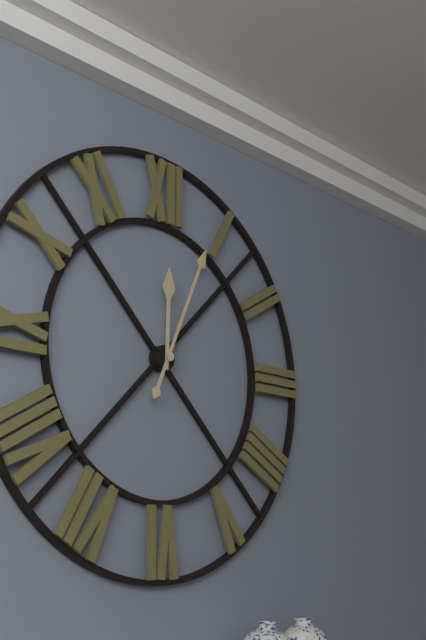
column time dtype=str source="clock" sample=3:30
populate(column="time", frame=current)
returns 12:04
